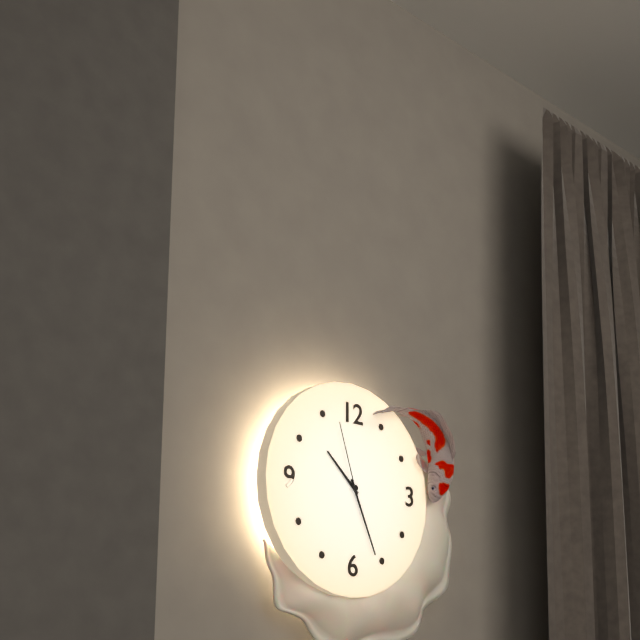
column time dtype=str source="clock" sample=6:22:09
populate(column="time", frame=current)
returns 10:26:57
